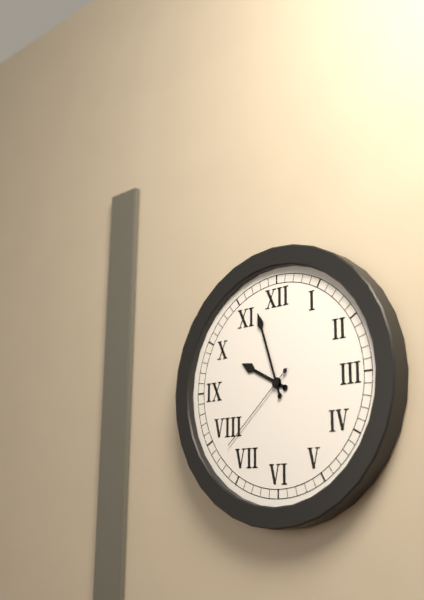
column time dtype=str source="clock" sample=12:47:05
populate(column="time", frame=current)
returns 9:57:38
